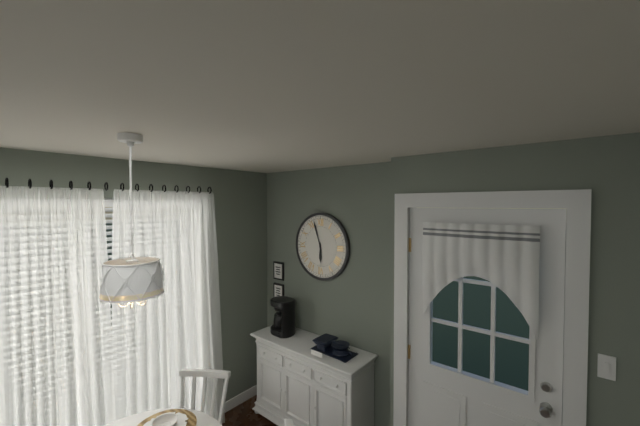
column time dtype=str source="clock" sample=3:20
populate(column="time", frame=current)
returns 5:57
